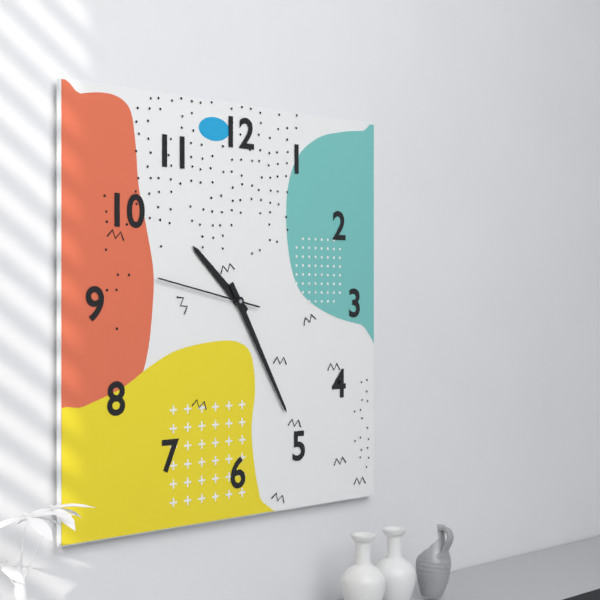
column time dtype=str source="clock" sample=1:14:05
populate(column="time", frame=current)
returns 10:25:47
